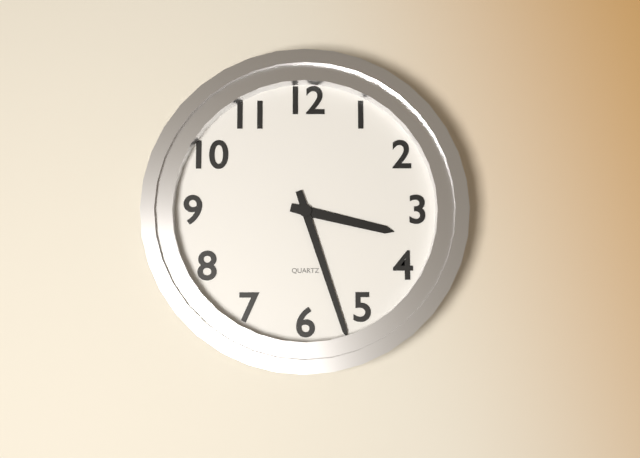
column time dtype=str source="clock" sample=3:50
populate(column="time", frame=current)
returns 3:27
